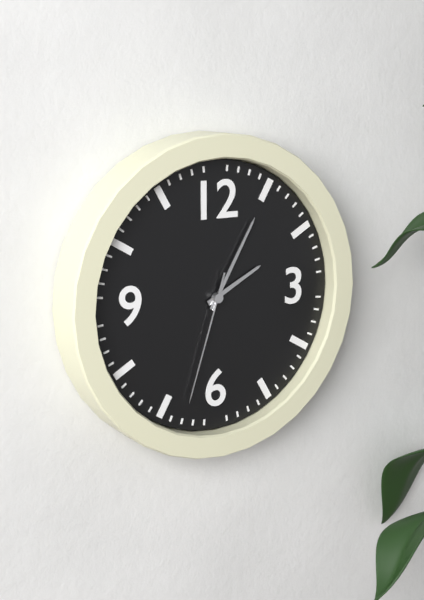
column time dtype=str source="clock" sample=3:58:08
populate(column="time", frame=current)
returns 2:05:33
